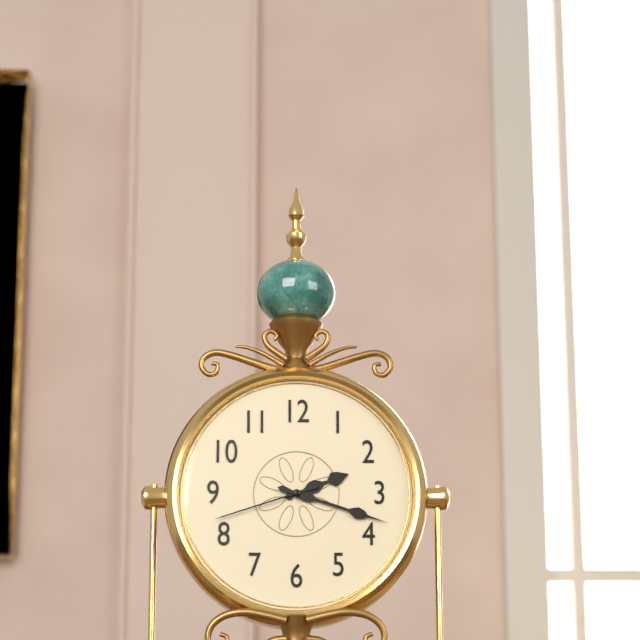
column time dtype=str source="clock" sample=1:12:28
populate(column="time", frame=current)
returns 2:18:42
